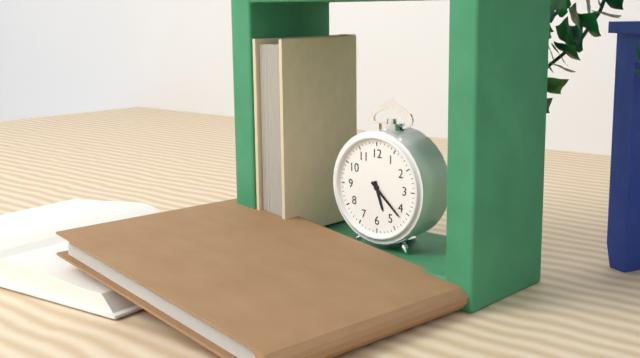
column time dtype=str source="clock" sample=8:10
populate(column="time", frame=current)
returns 5:22
